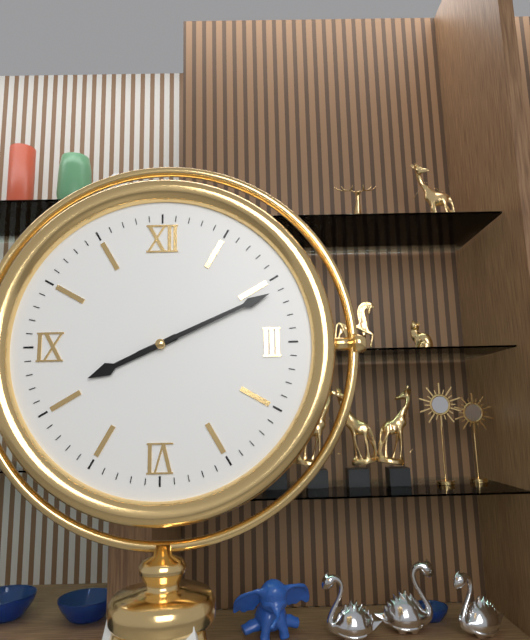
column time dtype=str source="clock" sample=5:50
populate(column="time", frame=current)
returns 8:11
